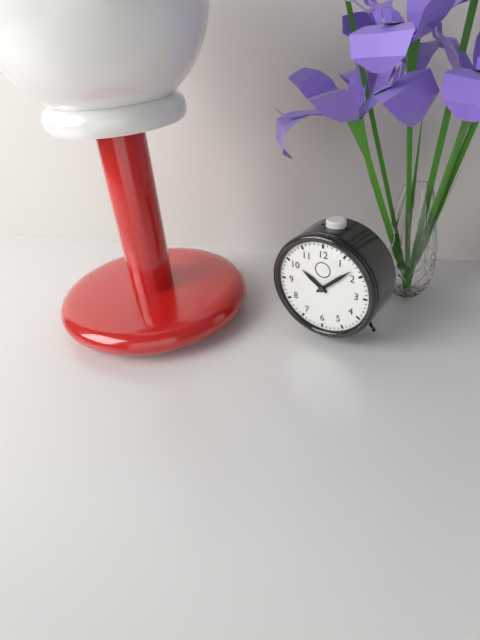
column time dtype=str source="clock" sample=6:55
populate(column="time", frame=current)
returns 10:08
